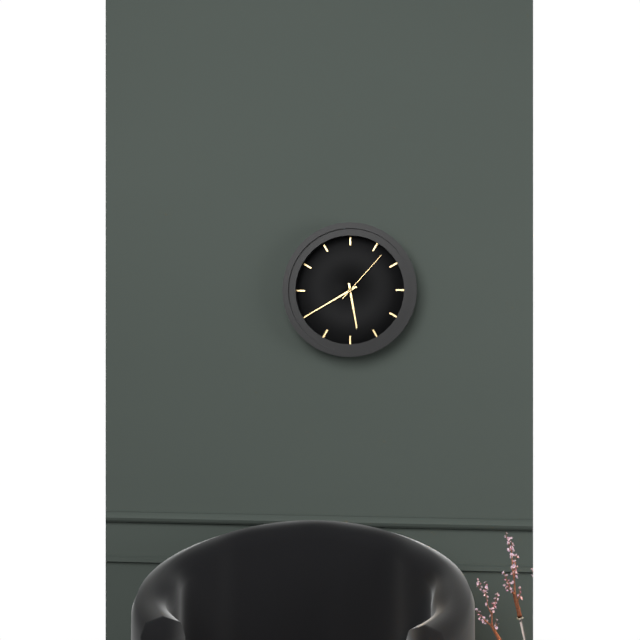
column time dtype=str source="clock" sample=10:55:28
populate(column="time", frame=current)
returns 5:40:07
